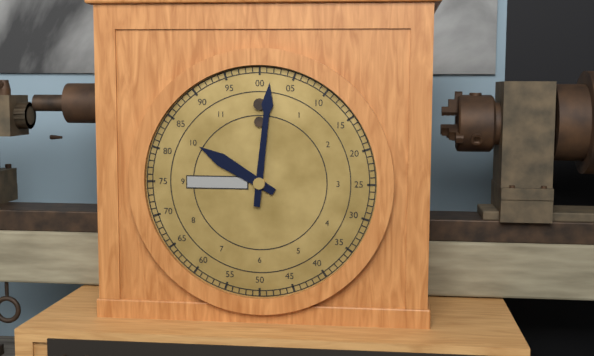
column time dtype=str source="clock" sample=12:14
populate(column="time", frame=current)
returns 10:01
